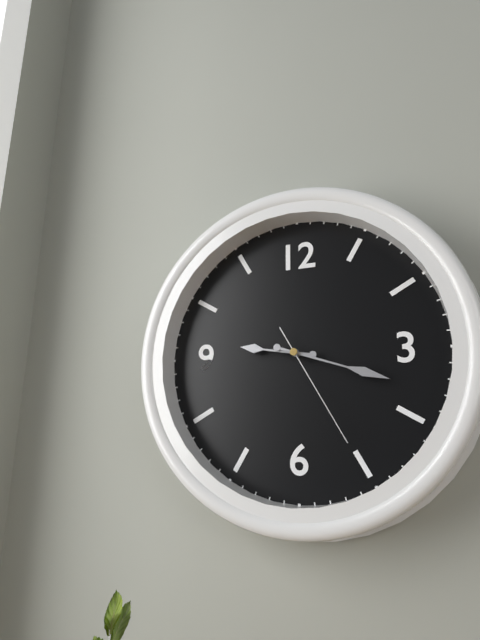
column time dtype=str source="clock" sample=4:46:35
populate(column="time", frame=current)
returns 9:18:25
